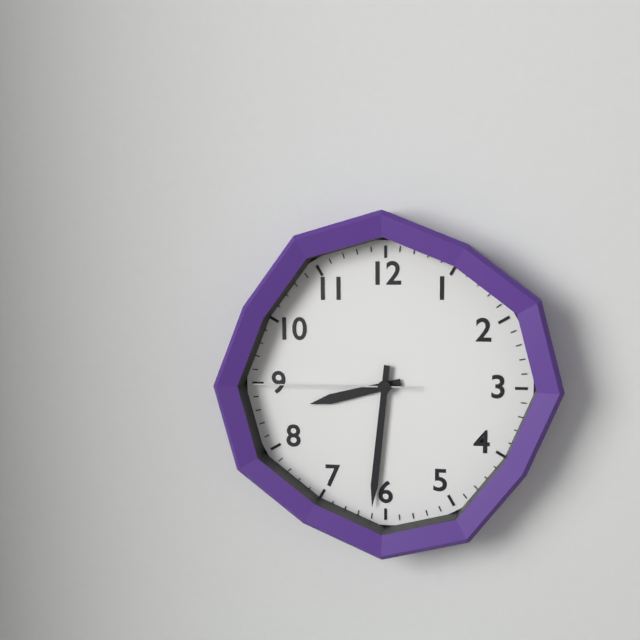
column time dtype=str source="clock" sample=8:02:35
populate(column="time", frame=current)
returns 8:31:45
